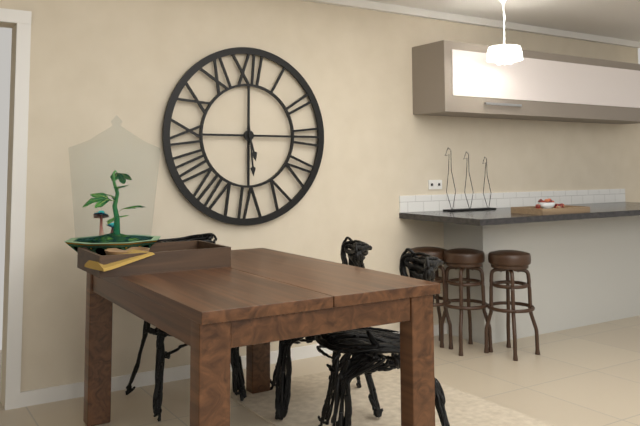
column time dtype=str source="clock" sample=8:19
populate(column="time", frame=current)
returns 5:29
